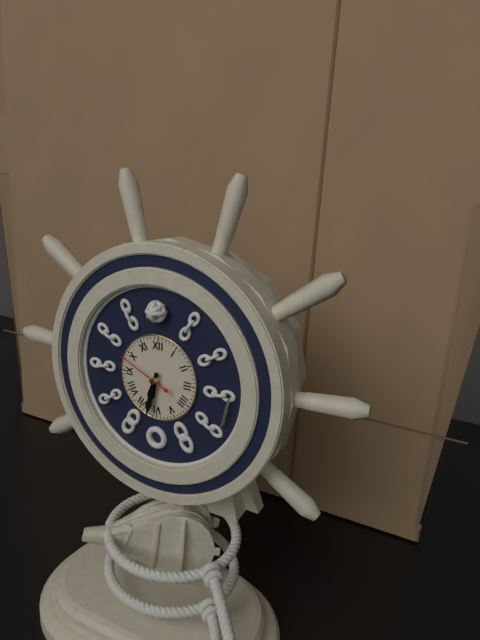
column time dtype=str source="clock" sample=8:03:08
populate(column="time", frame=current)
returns 6:32:49
